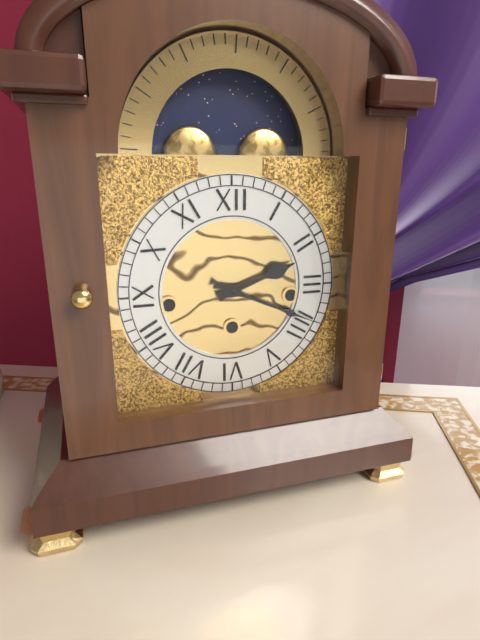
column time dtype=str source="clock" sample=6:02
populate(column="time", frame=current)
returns 2:19
